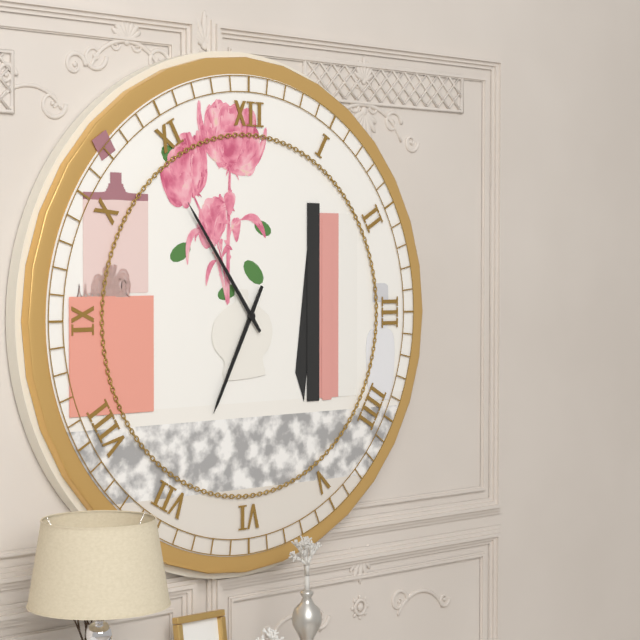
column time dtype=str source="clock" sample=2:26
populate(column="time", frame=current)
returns 6:54
